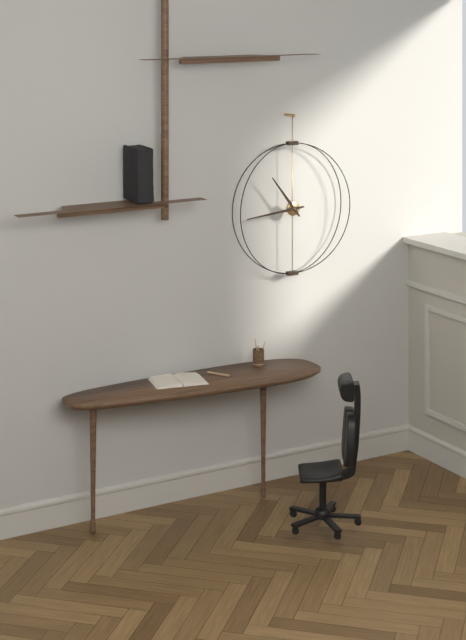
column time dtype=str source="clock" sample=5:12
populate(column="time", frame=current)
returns 10:44
